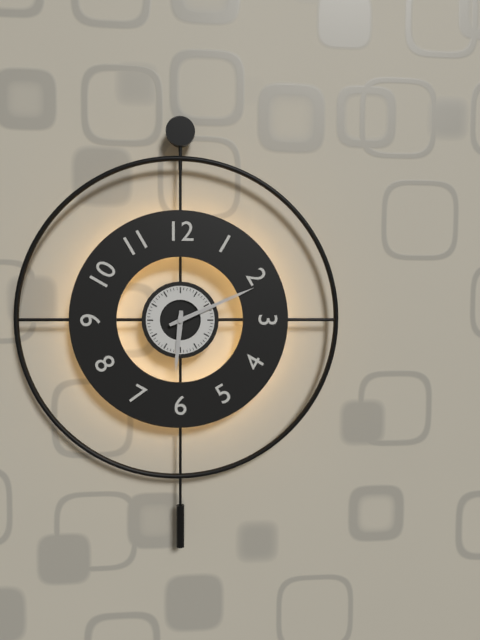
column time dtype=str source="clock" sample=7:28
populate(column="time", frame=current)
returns 6:11
